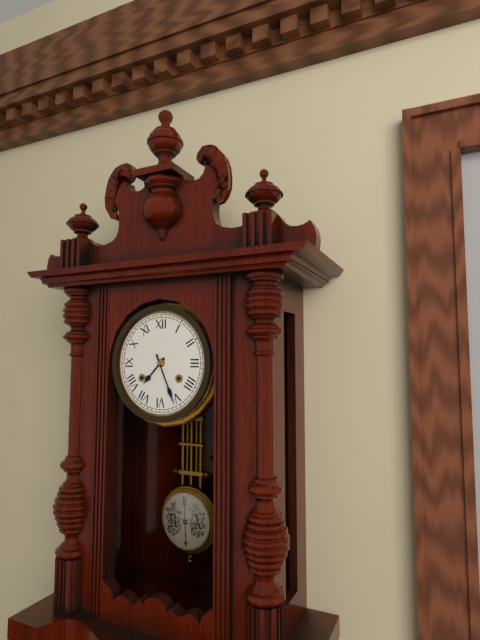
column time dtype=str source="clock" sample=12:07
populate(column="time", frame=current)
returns 7:26
